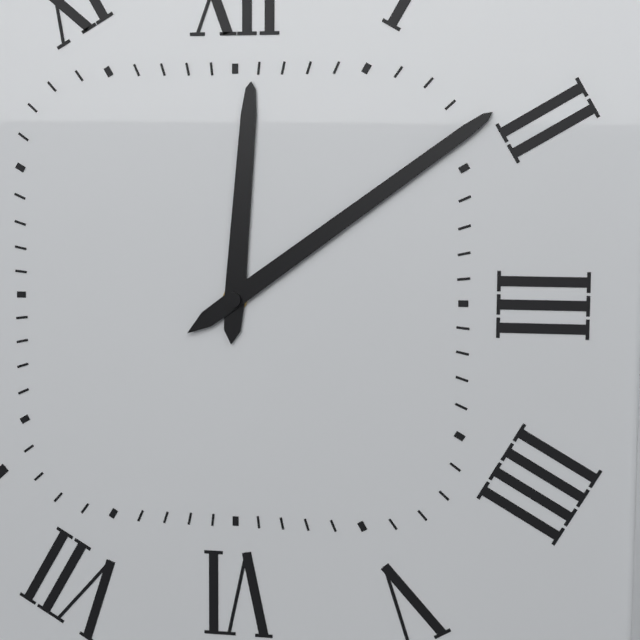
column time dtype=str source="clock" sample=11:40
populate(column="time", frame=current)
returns 12:09
